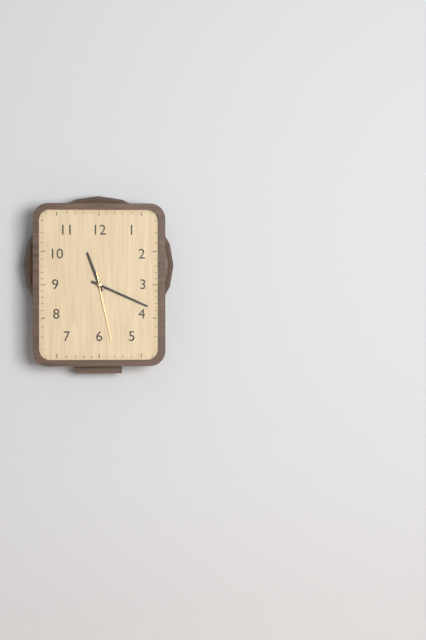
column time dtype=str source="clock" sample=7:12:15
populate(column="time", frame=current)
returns 11:19:28
